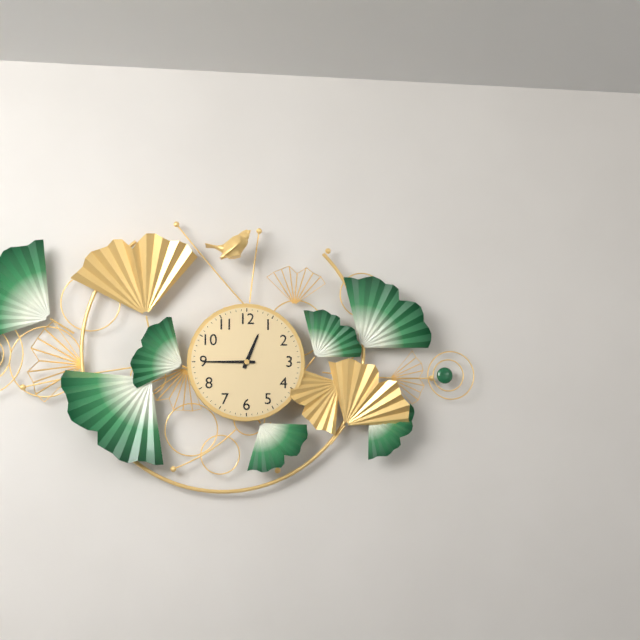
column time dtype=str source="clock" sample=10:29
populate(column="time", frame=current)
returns 12:45
